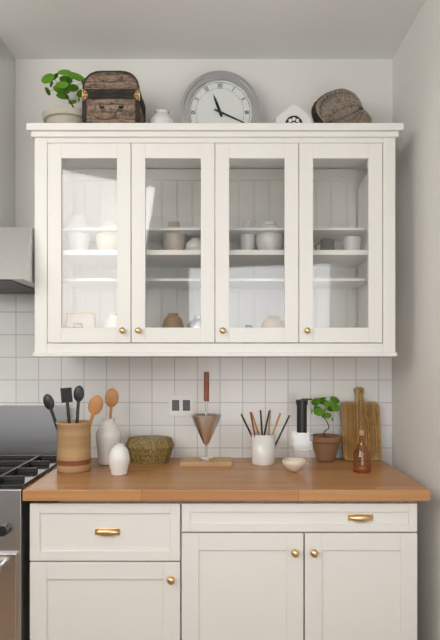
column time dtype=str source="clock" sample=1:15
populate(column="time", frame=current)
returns 11:19
